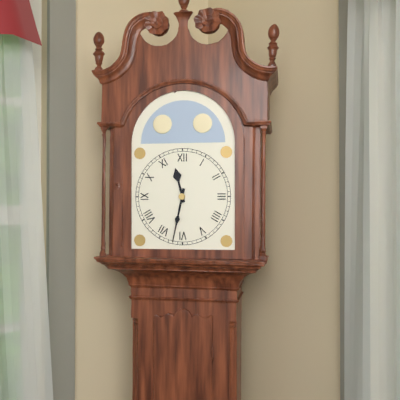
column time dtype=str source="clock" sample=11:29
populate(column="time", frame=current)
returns 11:32
